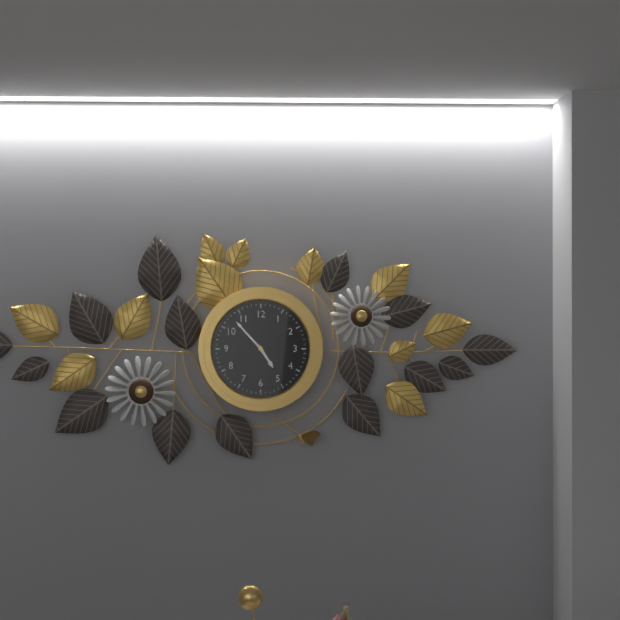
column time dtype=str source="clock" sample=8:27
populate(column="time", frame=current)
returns 4:53
